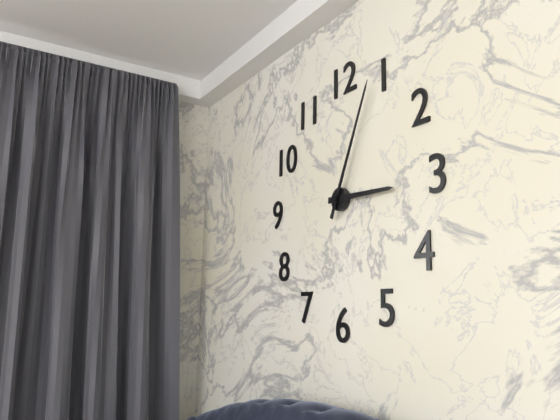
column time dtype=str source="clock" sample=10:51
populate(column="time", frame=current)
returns 3:04
